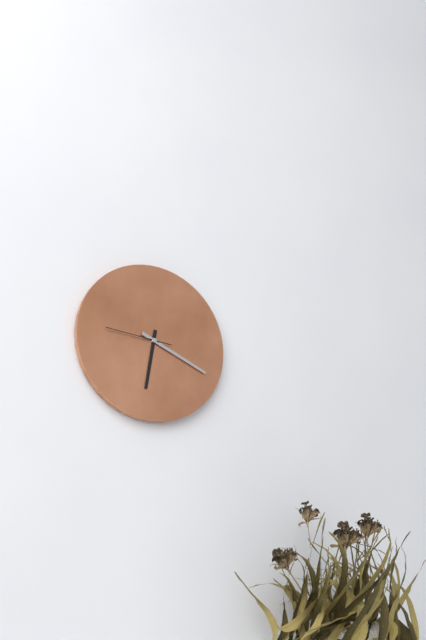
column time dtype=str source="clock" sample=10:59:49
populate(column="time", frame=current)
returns 6:19:46
